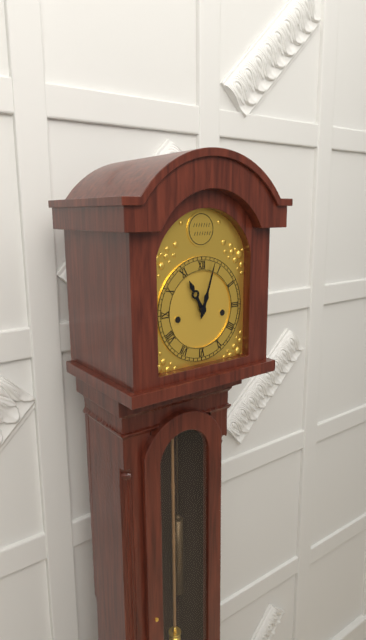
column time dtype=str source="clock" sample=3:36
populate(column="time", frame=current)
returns 11:03
